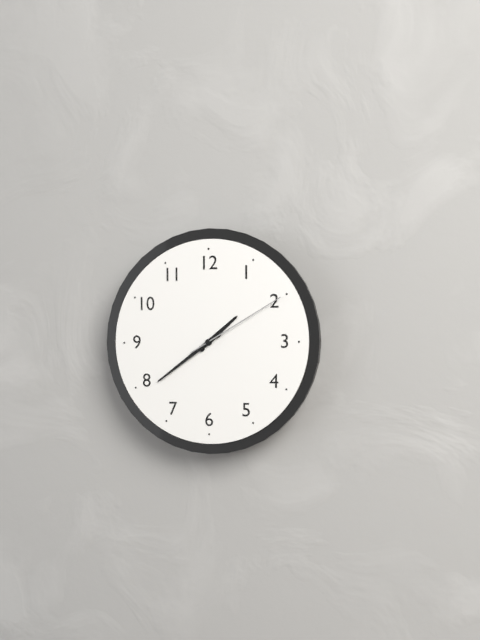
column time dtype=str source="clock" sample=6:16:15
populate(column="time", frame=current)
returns 1:39:10
